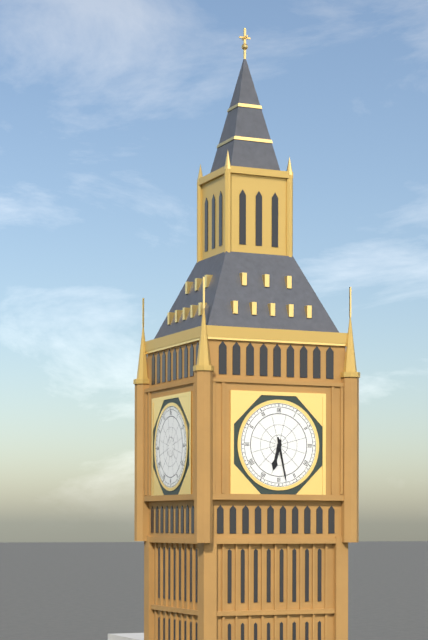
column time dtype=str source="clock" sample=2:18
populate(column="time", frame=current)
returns 6:28
